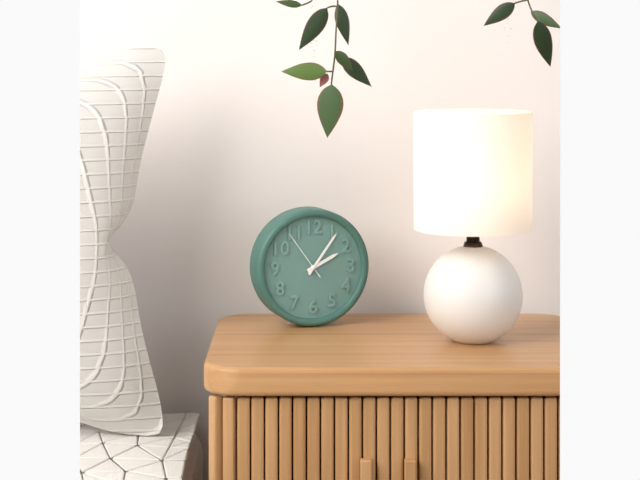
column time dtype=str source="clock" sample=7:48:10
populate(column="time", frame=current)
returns 2:06:54
